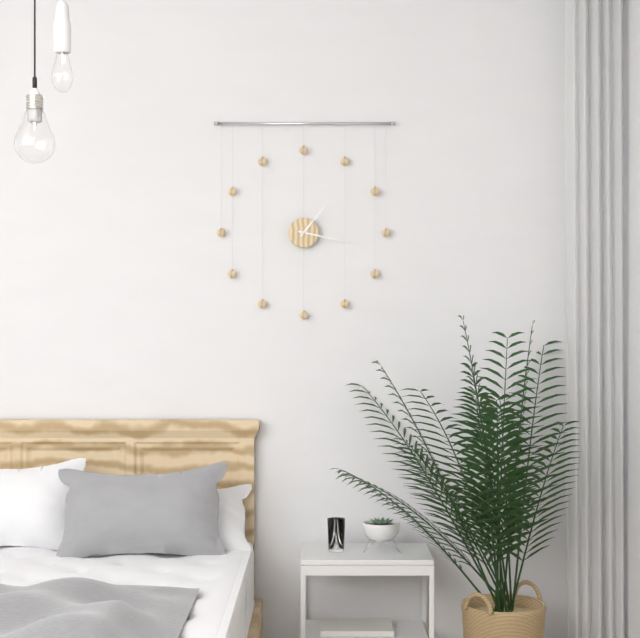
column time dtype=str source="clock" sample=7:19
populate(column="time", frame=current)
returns 1:17
